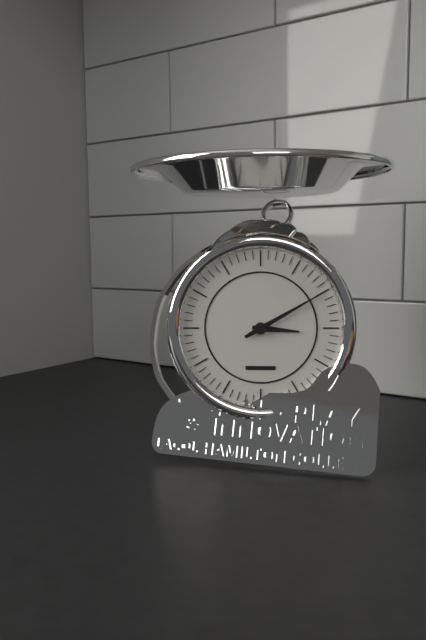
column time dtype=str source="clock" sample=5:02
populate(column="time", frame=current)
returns 3:10
